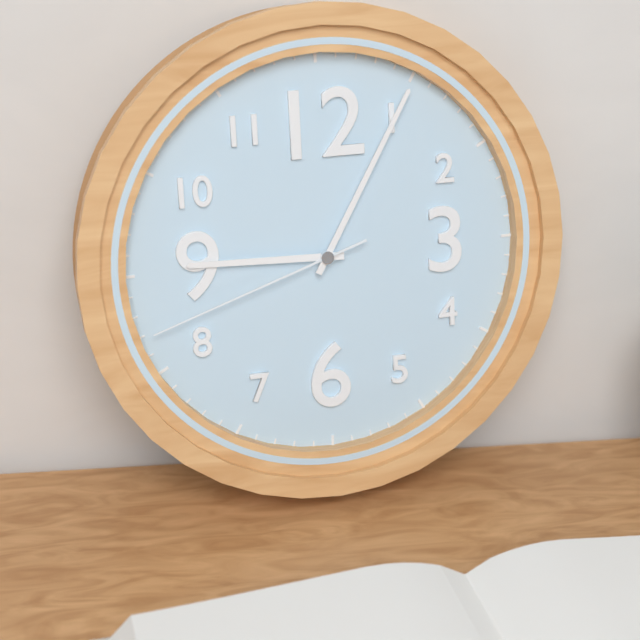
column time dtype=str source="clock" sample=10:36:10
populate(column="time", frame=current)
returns 9:05:42
